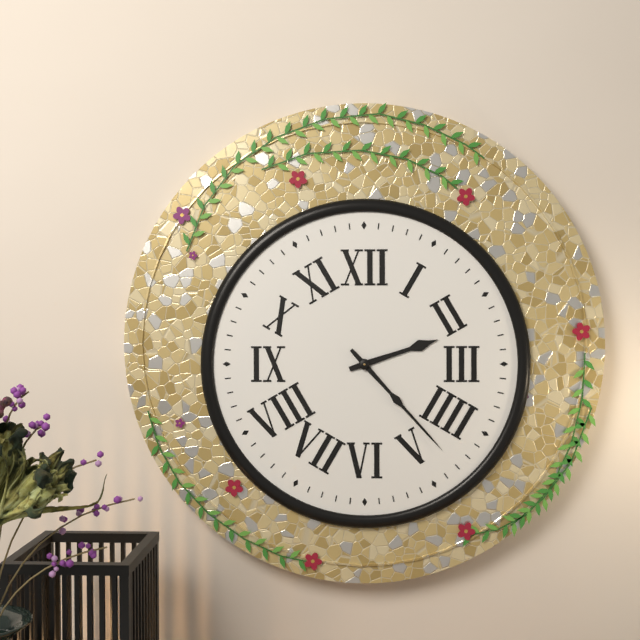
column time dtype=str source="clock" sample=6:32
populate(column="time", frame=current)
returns 2:23
